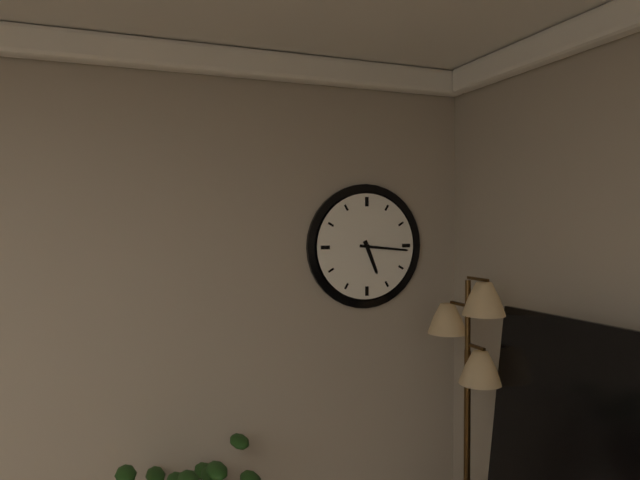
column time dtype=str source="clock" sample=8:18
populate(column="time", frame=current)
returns 5:16
